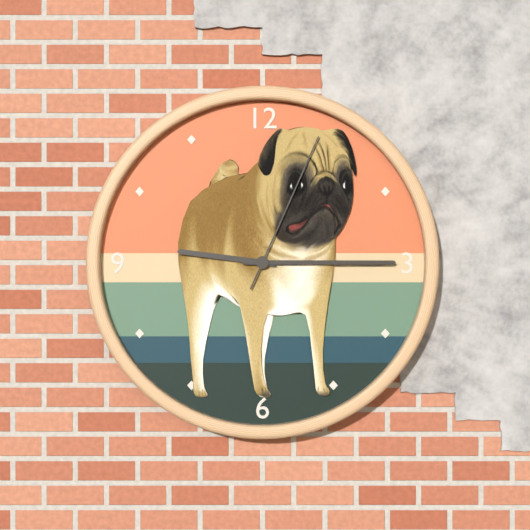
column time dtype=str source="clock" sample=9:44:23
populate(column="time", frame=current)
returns 9:15:04
